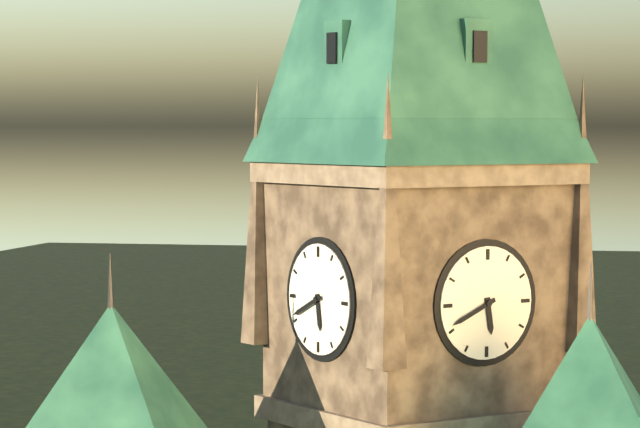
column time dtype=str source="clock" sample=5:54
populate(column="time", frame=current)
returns 5:41
